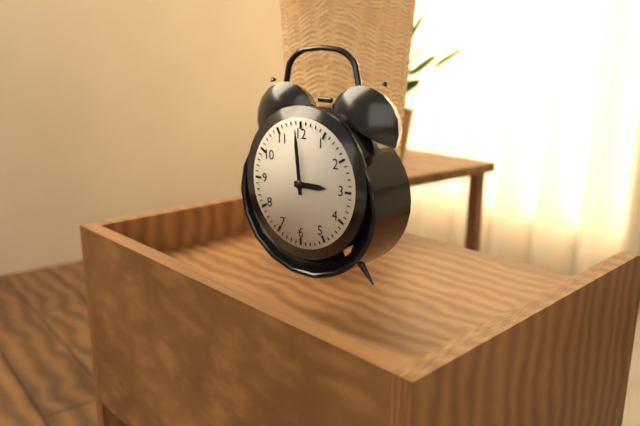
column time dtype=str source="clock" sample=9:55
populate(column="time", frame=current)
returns 2:59
